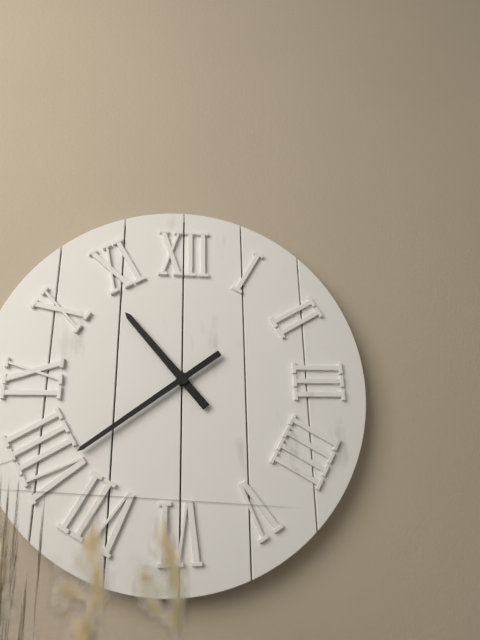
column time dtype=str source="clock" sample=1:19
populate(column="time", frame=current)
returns 10:39
